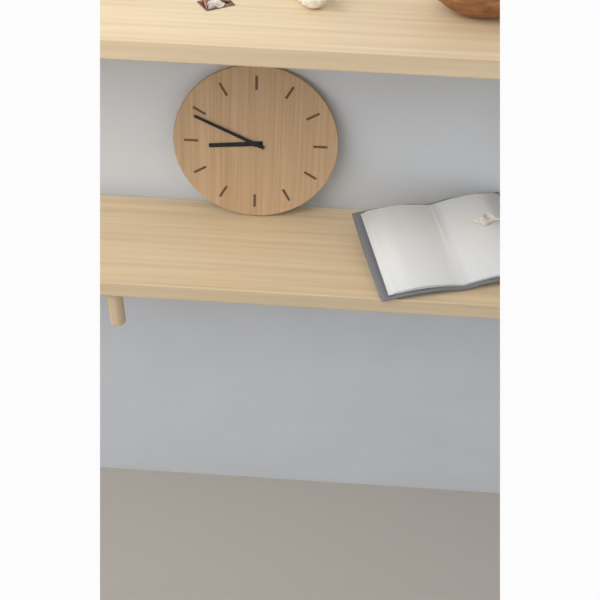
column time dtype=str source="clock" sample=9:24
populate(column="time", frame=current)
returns 8:49
